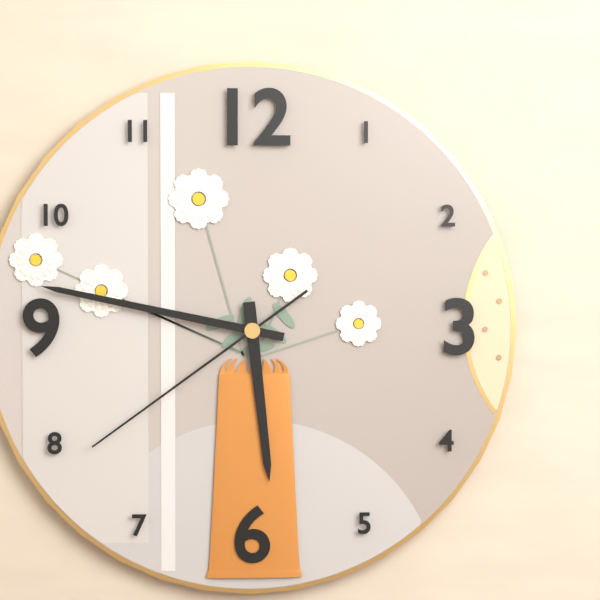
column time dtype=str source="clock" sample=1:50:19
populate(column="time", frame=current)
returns 5:47:39
